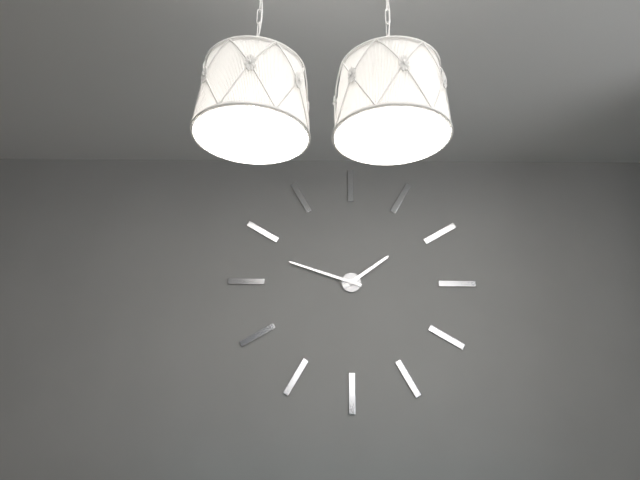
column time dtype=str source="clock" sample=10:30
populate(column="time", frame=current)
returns 1:48
